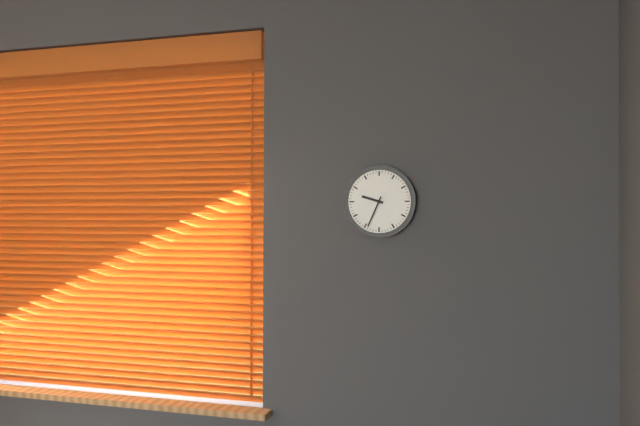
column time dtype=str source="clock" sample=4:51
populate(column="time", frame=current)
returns 9:34
